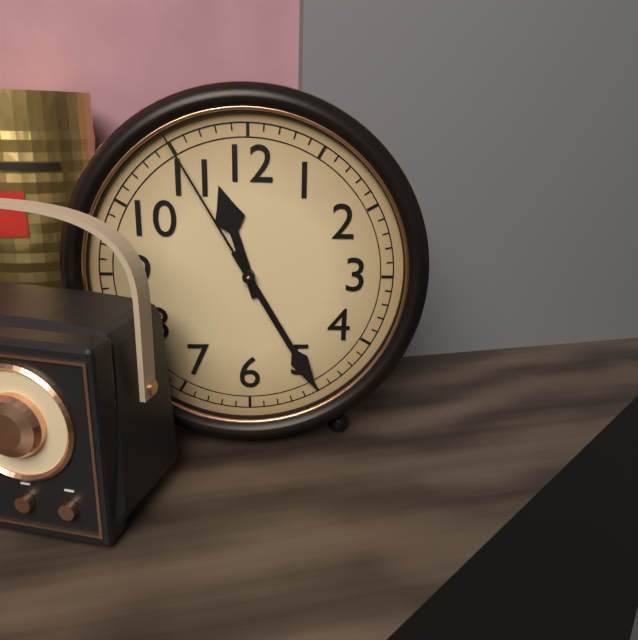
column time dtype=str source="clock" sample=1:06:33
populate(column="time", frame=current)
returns 11:25:55
